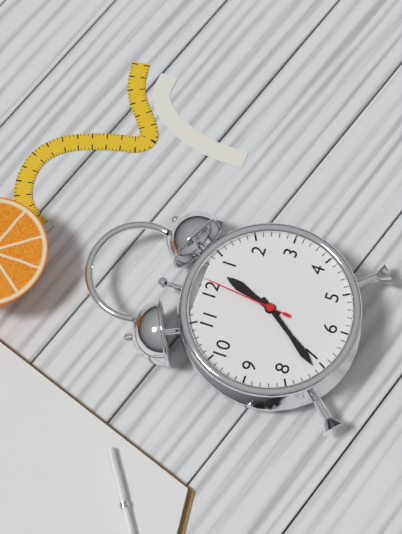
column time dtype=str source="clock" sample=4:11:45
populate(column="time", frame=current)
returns 12:36:01
